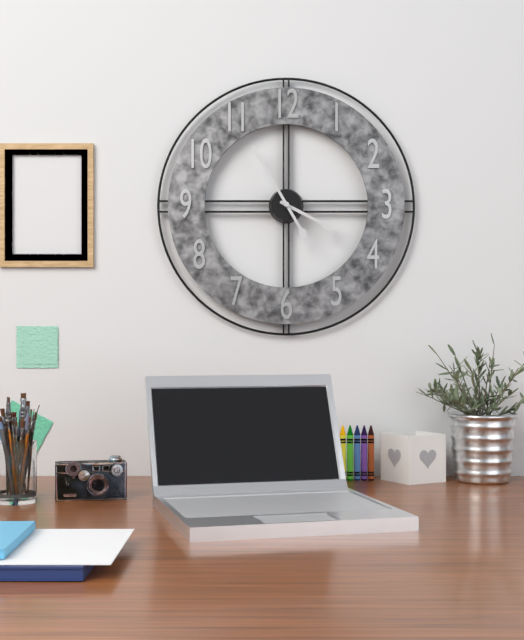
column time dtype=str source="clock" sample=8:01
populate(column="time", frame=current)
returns 3:55
